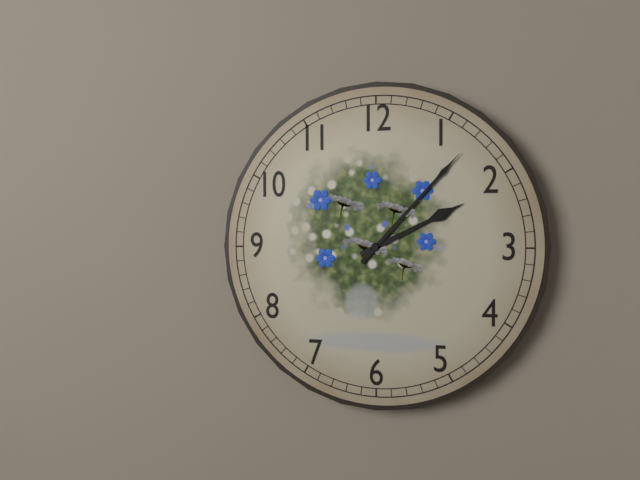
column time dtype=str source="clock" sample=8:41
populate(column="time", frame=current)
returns 2:07
